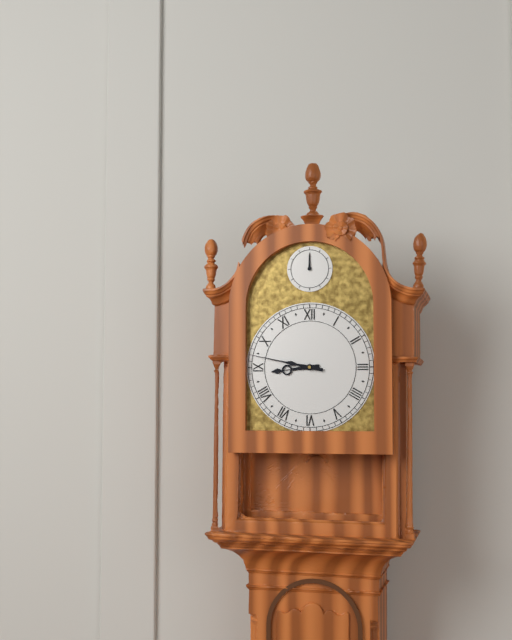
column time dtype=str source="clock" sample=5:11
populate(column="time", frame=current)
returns 8:47
